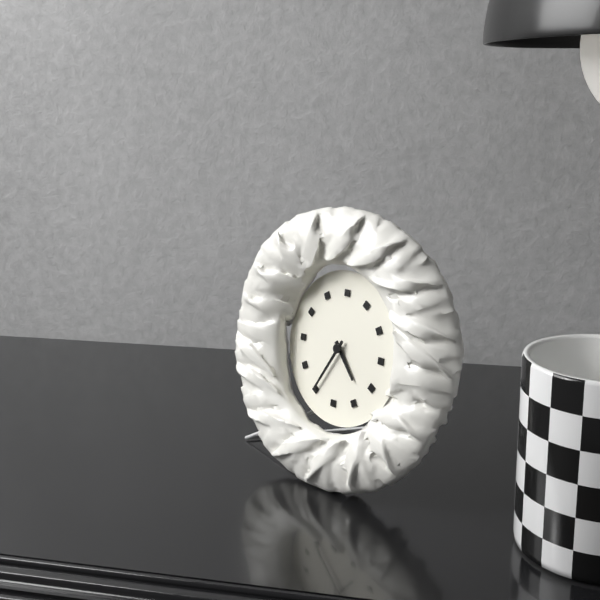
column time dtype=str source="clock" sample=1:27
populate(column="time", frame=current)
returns 4:35
